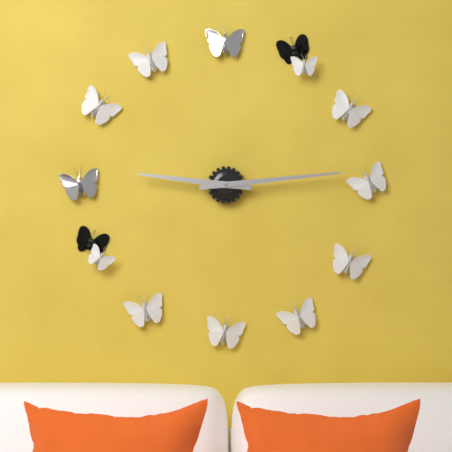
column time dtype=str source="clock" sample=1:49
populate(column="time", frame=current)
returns 9:14
